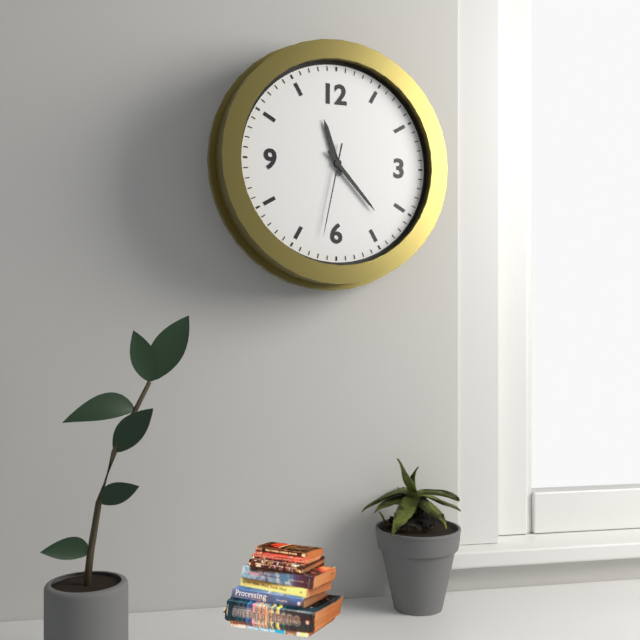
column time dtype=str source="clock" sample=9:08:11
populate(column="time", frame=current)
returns 11:23:32
